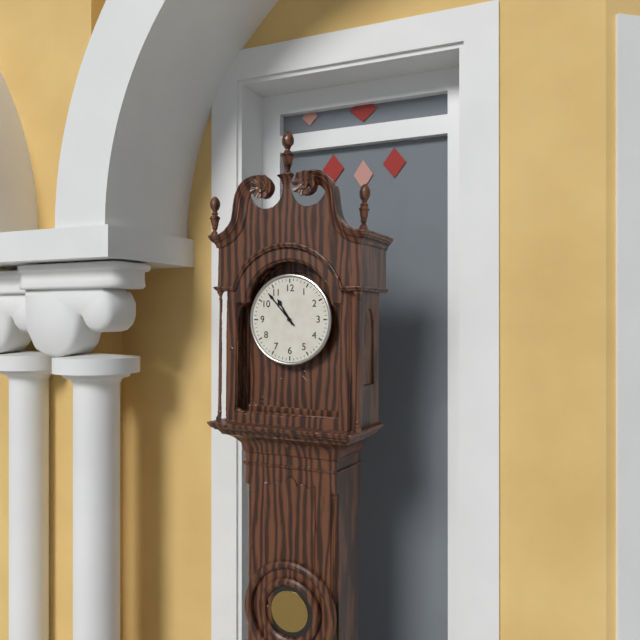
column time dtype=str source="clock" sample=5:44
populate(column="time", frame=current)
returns 10:53
